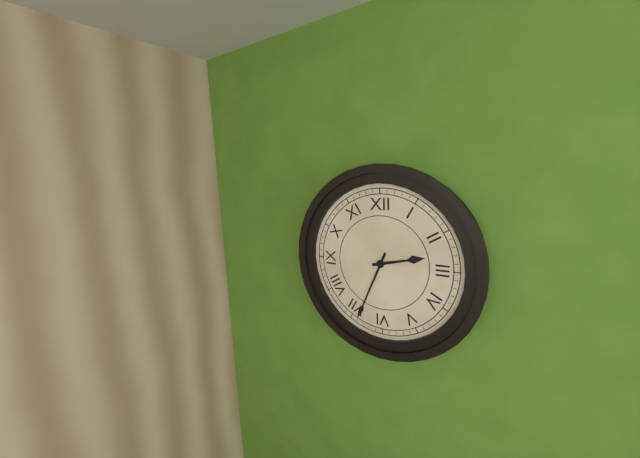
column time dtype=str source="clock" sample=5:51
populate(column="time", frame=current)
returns 2:34
